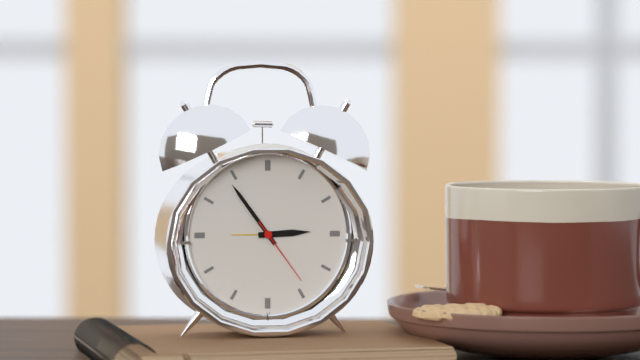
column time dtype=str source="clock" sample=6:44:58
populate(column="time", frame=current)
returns 2:54:24
